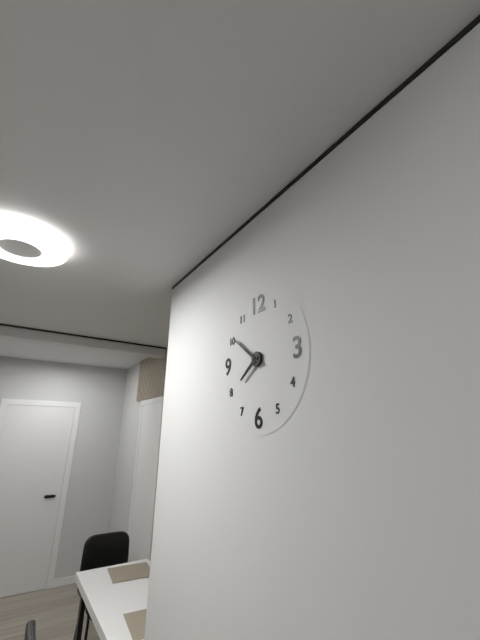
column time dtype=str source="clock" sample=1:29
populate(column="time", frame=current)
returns 7:51
